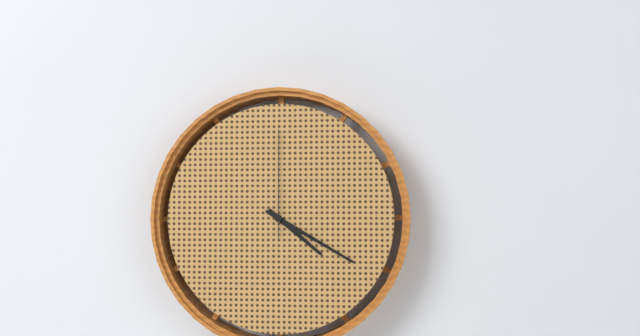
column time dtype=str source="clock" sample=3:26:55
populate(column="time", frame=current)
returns 4:20:00
